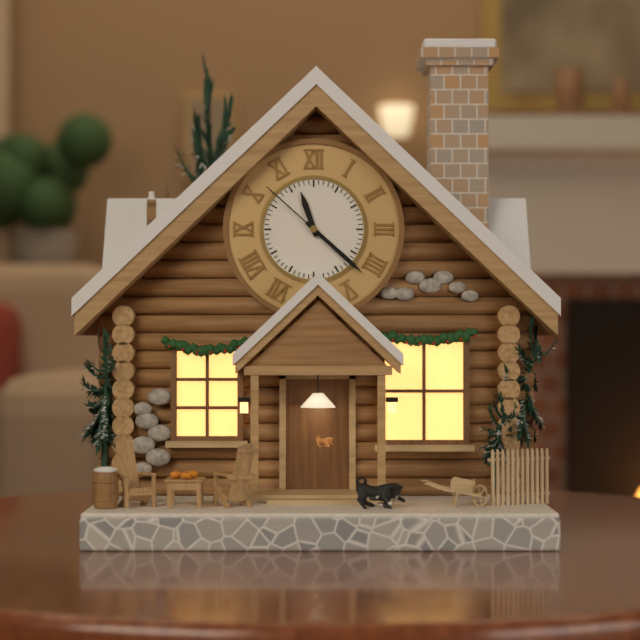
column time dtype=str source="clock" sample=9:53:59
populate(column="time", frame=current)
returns 11:22:52
